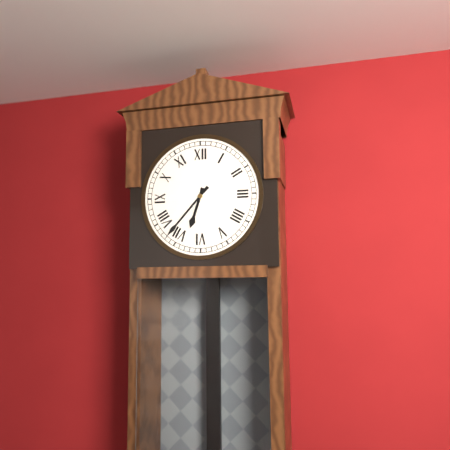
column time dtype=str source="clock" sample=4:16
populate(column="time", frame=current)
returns 6:37
